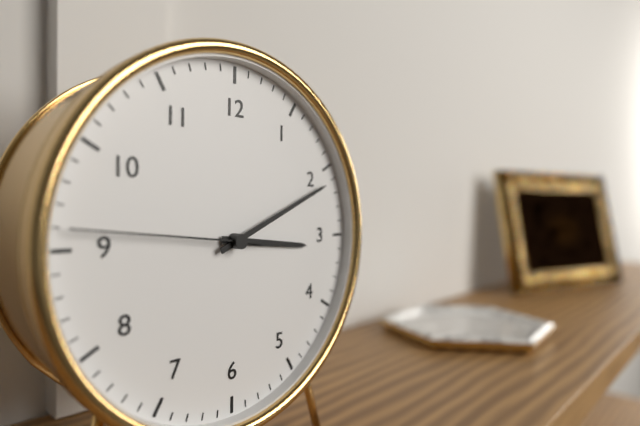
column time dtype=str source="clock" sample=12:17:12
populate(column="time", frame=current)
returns 3:11:46
